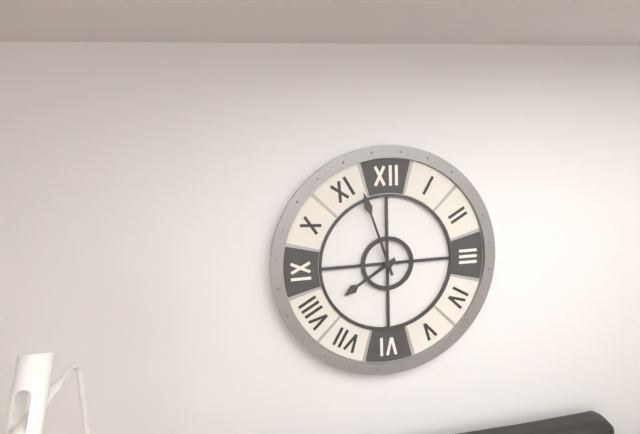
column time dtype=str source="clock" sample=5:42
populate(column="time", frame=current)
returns 7:57
